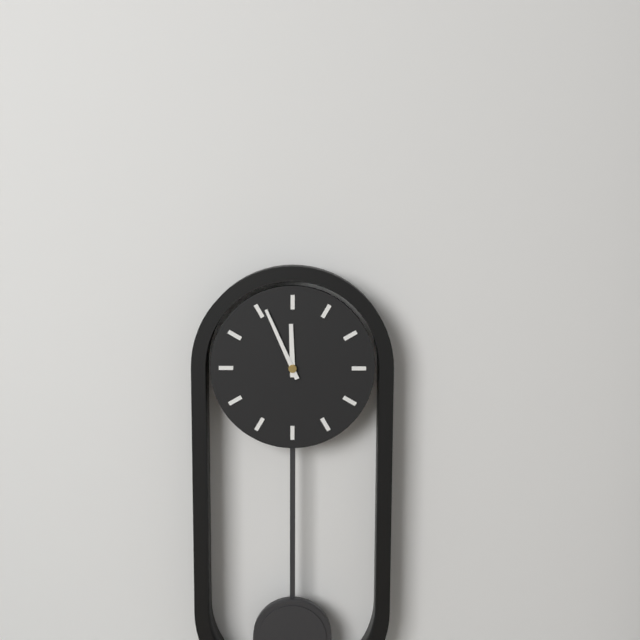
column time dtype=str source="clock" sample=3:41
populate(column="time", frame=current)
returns 11:56
